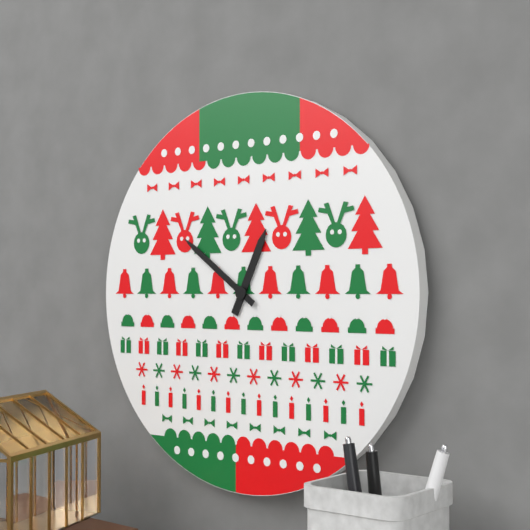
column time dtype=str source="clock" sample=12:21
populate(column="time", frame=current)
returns 12:51
